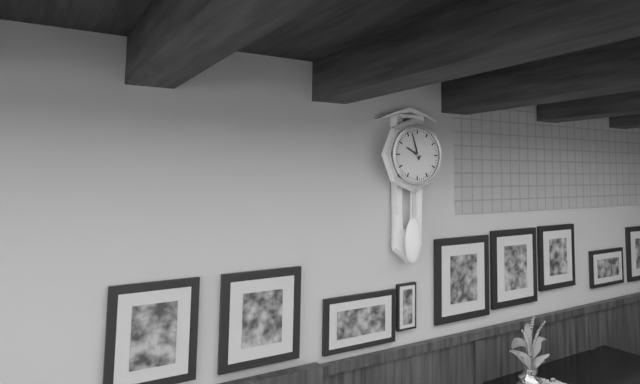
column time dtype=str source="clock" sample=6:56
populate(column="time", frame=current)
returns 9:57
